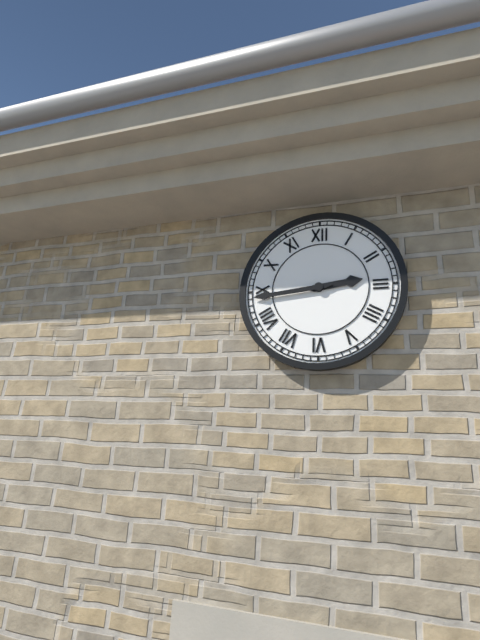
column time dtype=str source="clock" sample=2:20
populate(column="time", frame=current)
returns 2:44
